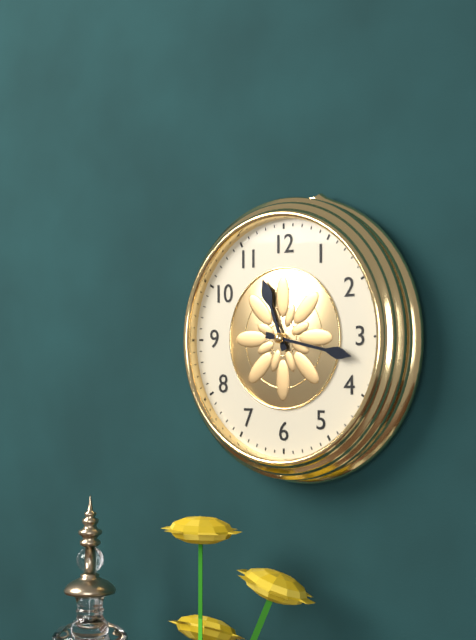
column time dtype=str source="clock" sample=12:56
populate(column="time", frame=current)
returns 11:17
